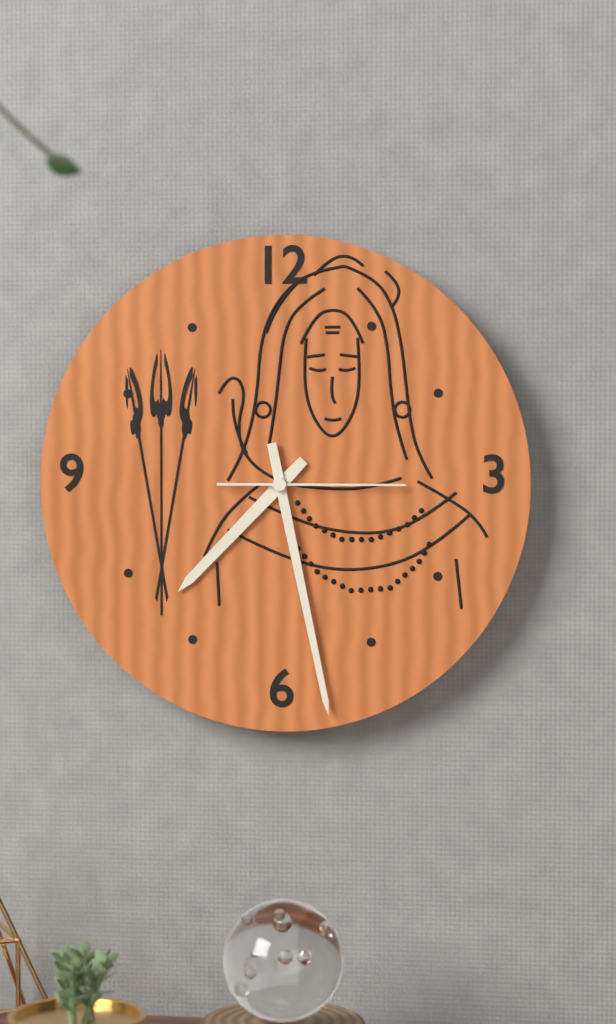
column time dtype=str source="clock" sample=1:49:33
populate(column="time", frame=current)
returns 7:28:15
